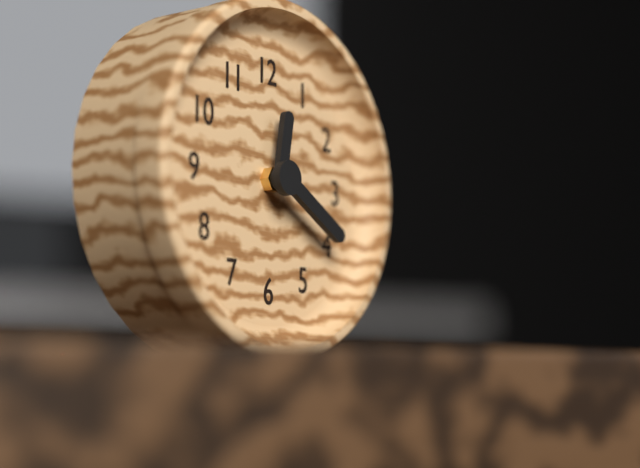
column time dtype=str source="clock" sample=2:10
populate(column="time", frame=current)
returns 12:20
